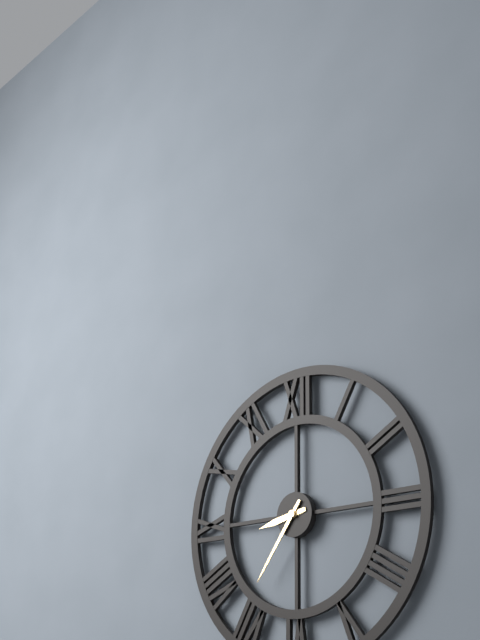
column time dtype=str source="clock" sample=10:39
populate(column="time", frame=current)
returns 8:36
